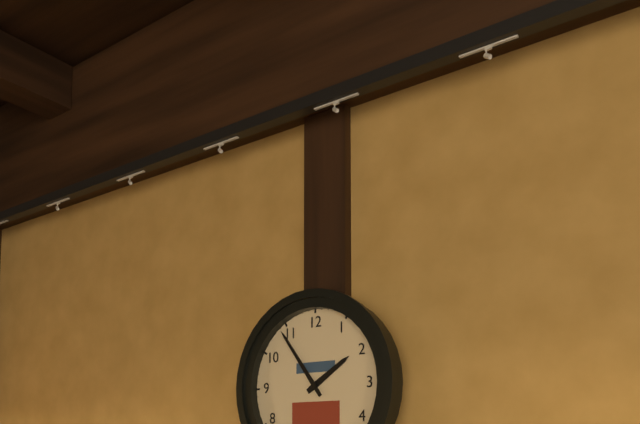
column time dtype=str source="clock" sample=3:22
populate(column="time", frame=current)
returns 1:54
